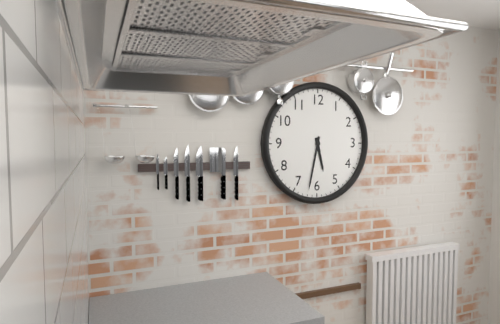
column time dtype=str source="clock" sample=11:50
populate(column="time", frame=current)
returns 5:32
